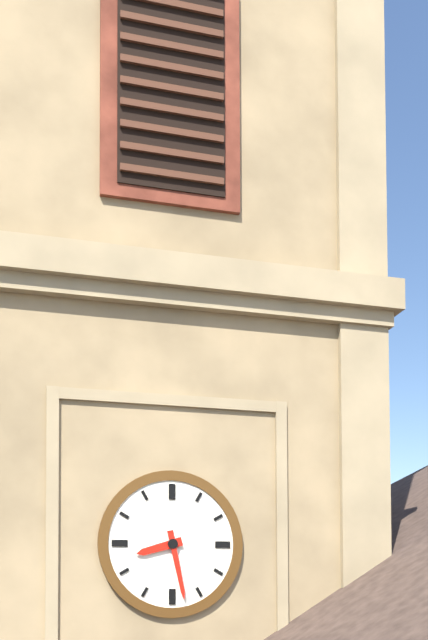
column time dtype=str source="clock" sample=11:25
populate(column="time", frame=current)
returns 8:28
